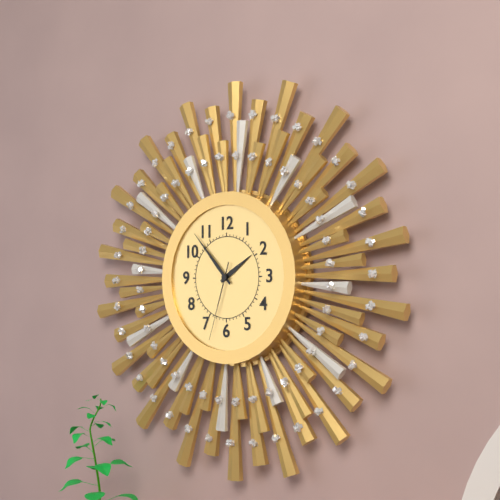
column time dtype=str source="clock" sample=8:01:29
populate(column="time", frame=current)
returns 1:53:33
